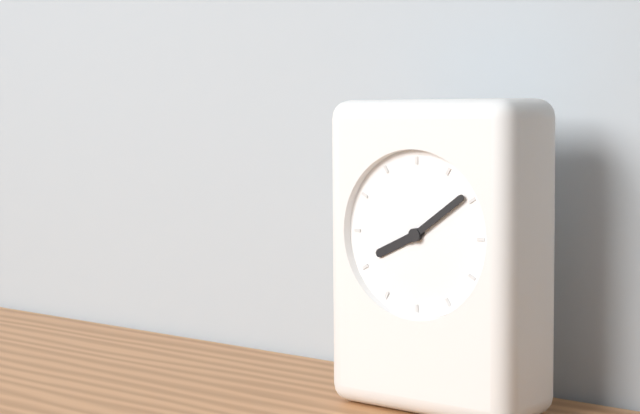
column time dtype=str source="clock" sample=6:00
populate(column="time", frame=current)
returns 8:09
